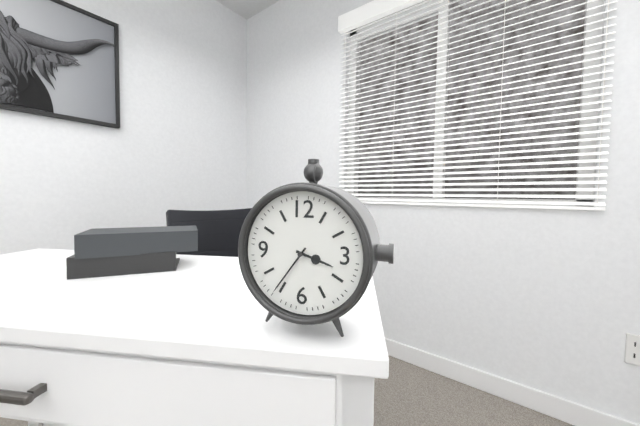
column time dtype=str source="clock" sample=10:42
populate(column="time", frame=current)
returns 3:36
